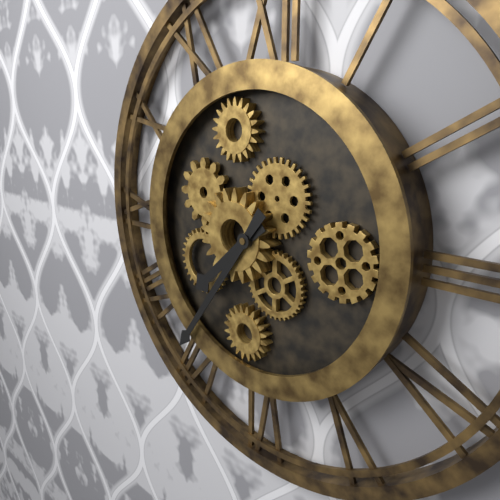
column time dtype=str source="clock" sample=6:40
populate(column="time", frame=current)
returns 7:36
